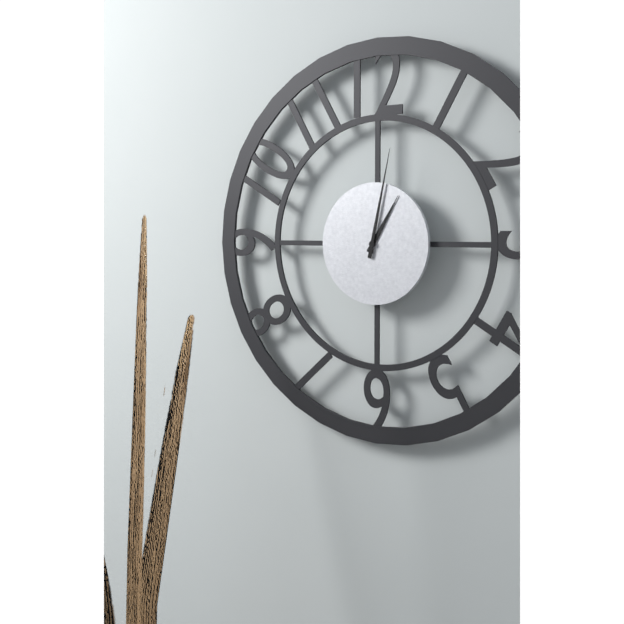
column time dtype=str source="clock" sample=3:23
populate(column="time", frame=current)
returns 1:02
